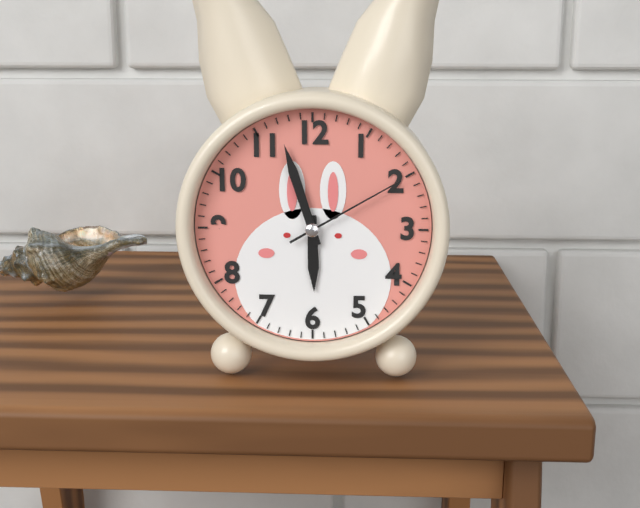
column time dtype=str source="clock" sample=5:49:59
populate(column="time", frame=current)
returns 5:57:10
